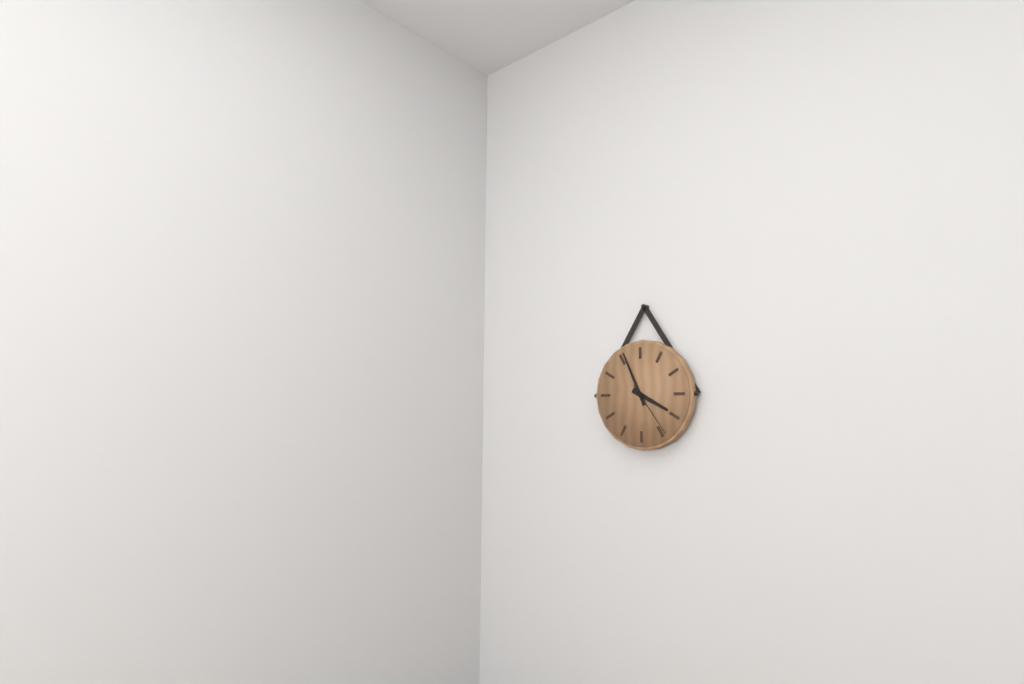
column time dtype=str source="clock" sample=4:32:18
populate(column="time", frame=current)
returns 3:56:24
